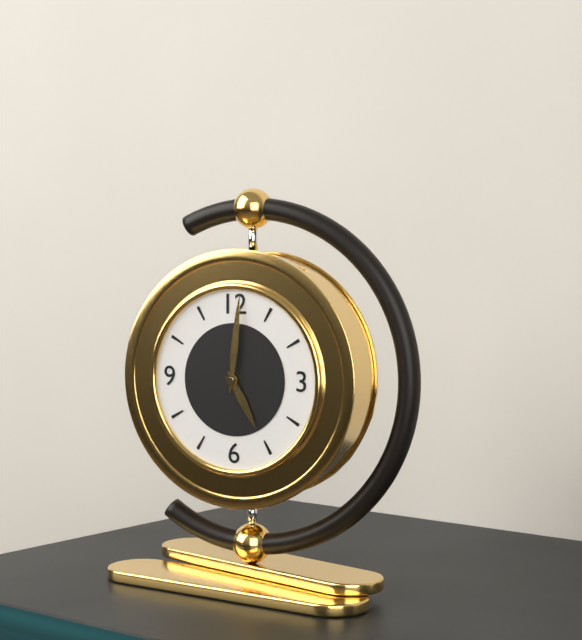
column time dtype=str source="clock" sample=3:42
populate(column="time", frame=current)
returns 5:01
